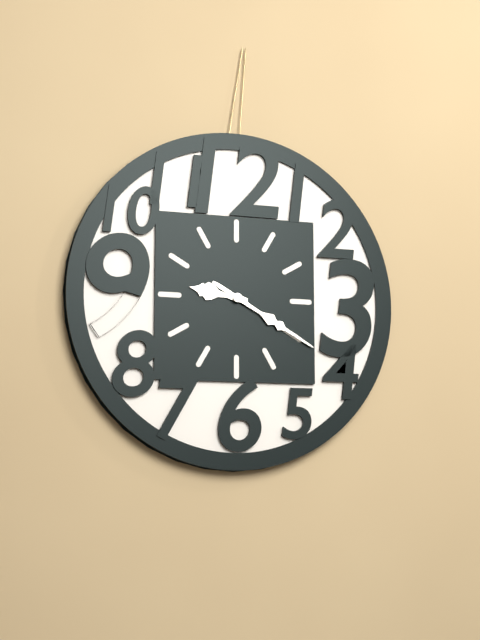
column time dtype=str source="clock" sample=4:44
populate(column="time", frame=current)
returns 9:20
